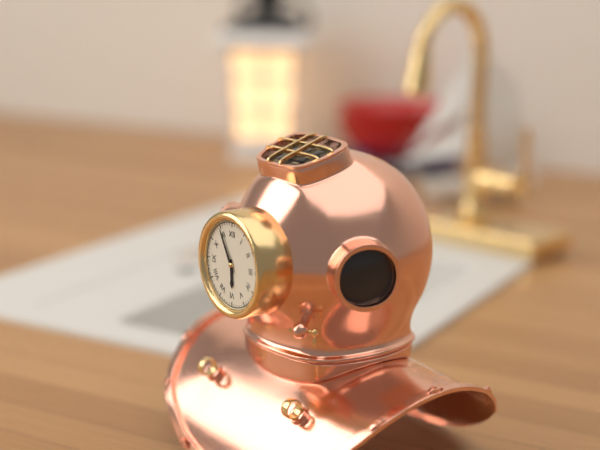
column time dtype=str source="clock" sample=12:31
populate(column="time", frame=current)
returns 5:55
